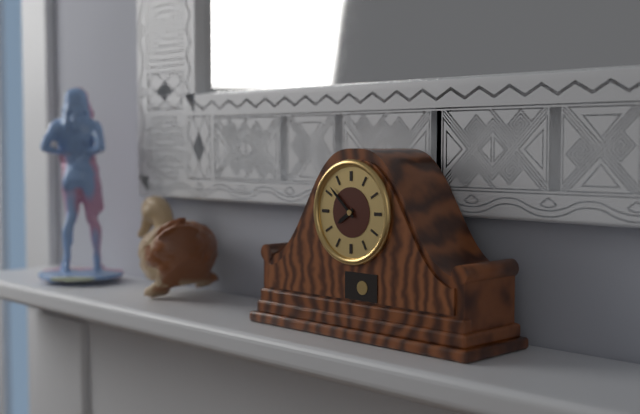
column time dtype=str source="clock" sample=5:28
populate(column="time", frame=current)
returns 7:52
